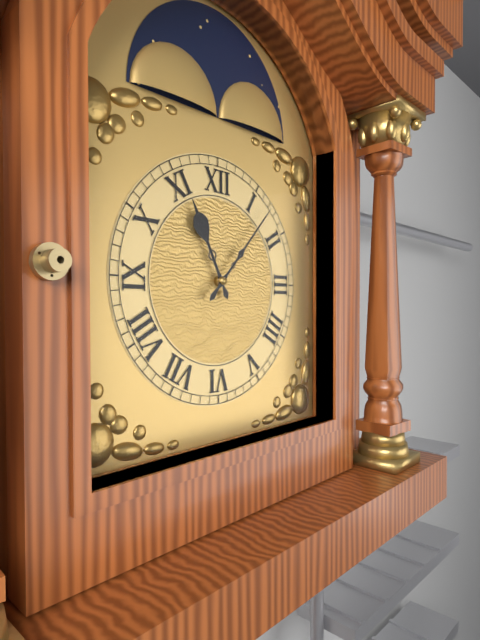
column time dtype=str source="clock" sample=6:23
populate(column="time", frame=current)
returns 11:07
